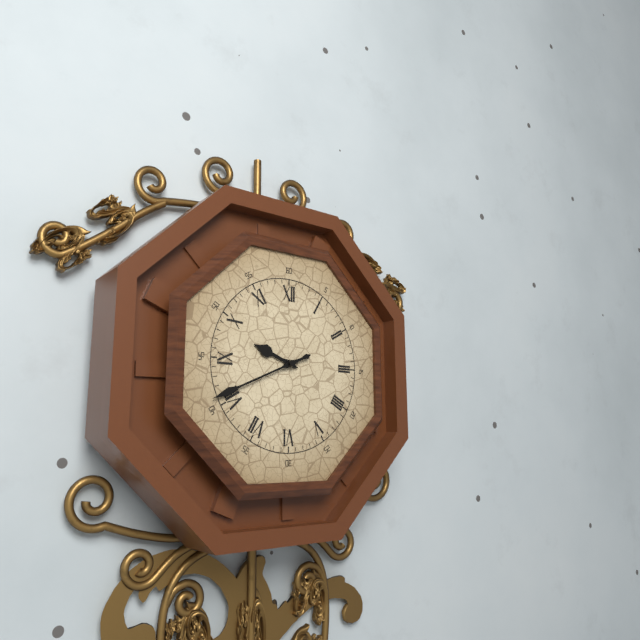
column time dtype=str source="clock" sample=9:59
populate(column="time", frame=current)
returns 9:41
